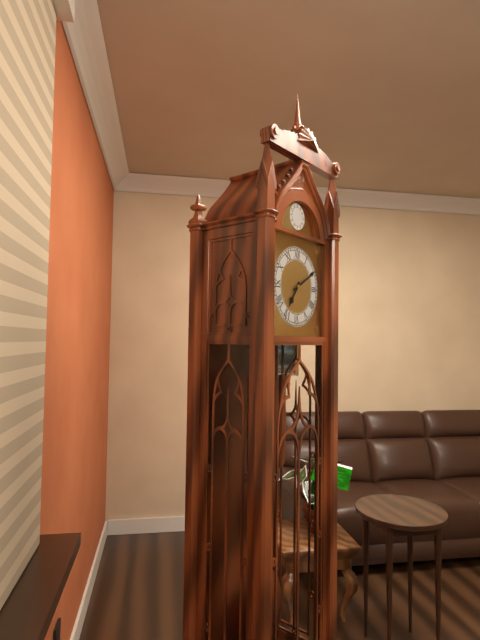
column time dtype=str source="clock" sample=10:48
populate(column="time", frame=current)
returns 7:10
